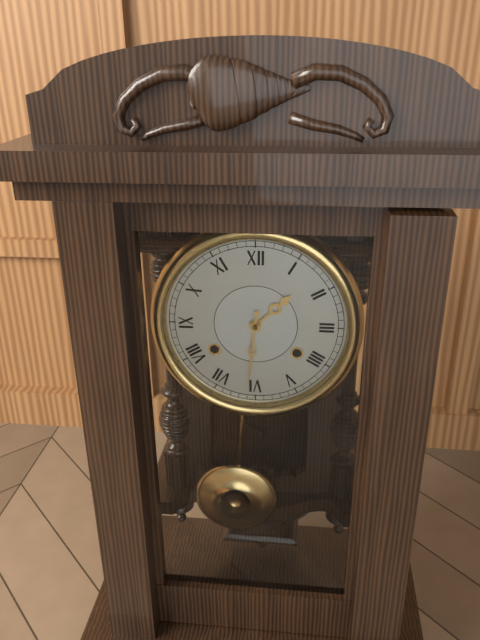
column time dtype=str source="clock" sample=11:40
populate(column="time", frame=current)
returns 1:31
